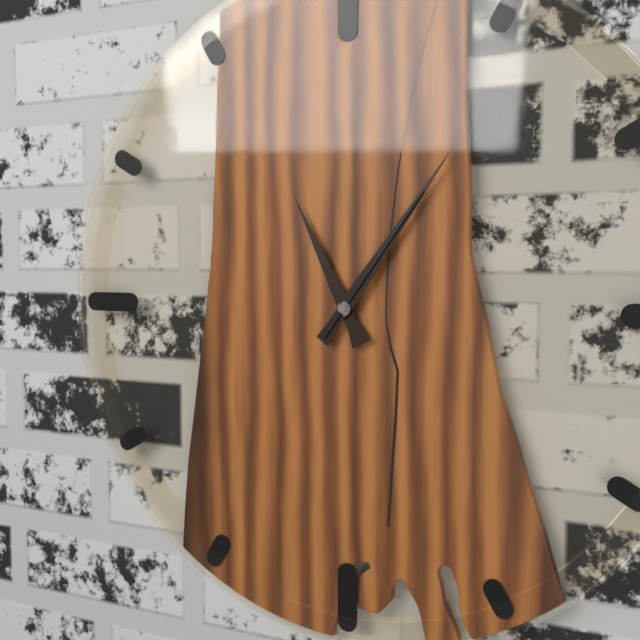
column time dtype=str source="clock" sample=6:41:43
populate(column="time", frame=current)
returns 11:06:06
